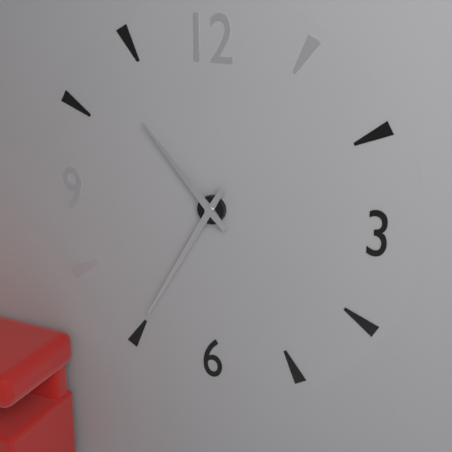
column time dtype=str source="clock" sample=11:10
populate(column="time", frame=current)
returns 10:35
